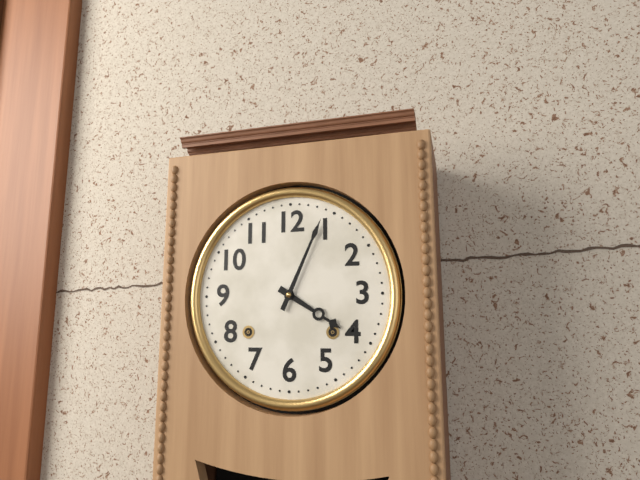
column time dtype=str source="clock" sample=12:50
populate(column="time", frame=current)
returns 4:04
